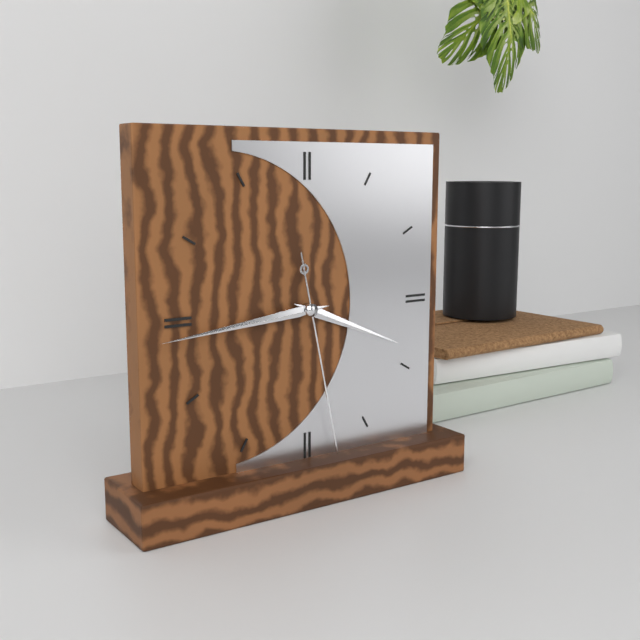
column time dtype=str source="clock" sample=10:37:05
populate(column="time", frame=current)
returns 3:44:28
